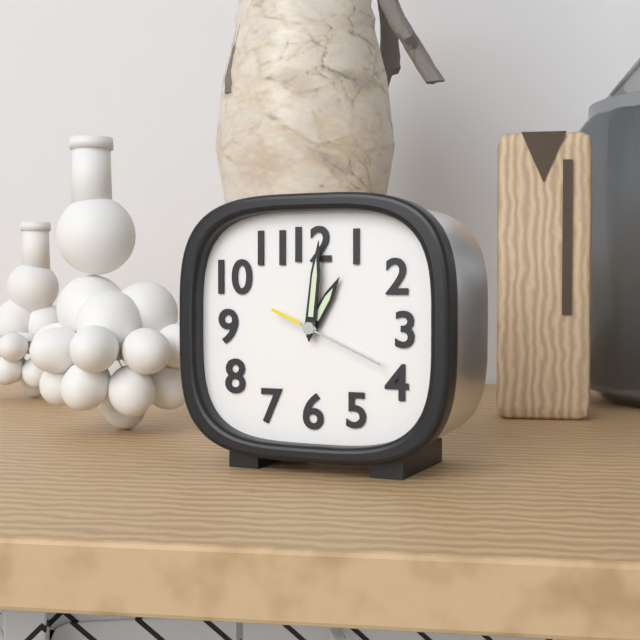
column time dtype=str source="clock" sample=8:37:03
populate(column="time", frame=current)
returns 1:01:19
